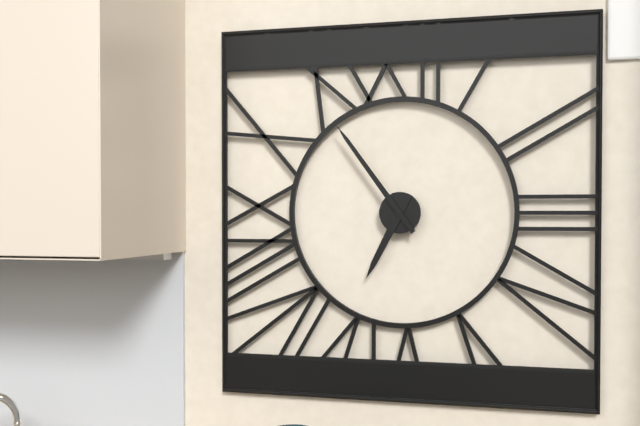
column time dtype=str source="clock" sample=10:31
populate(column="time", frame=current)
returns 6:54
